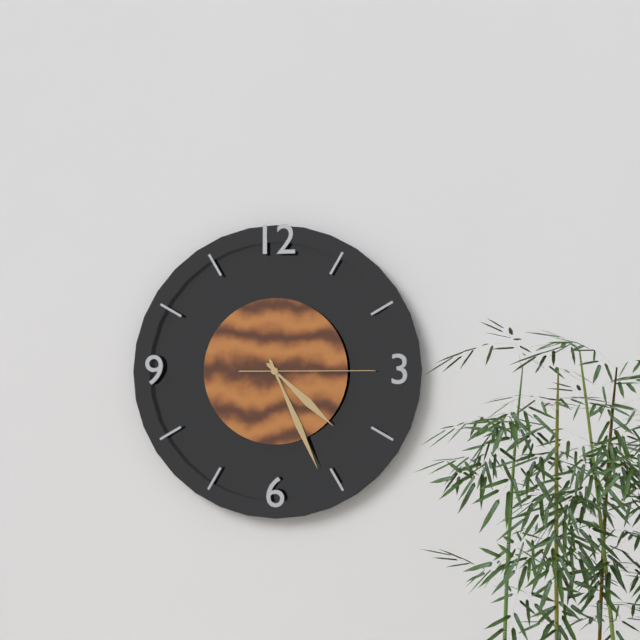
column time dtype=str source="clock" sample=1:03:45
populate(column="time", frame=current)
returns 4:26:15
